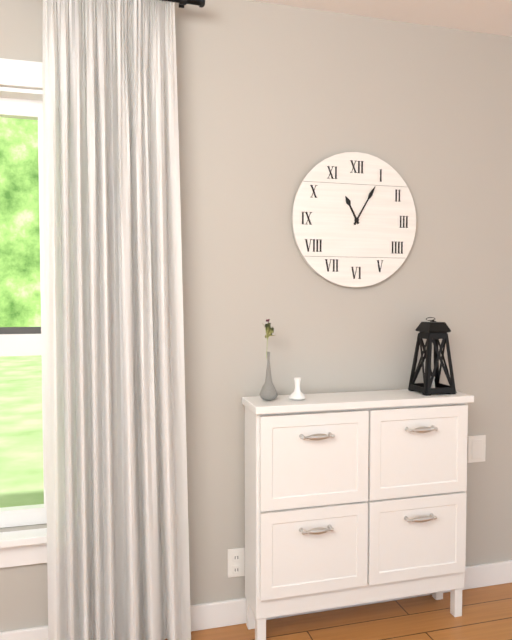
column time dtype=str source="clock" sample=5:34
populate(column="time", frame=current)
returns 11:05
